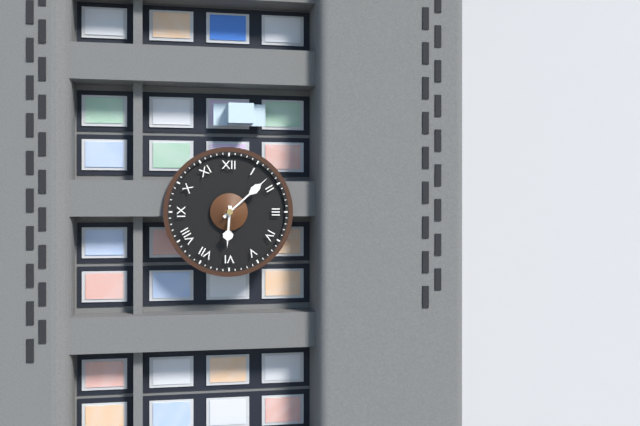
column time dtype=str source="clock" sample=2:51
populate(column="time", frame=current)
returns 6:08
